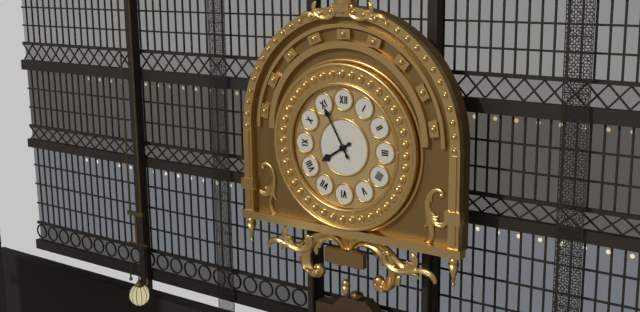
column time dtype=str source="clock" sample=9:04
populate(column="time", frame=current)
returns 7:55
